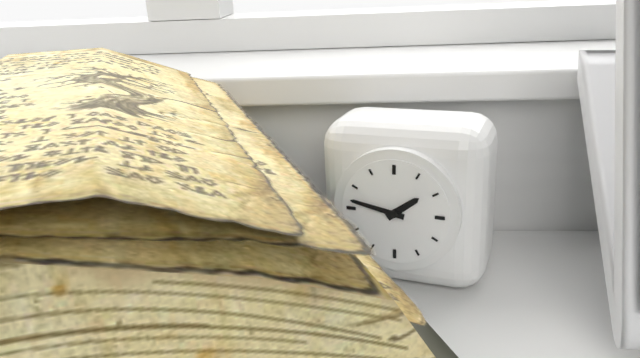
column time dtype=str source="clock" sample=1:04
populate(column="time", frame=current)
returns 1:47
